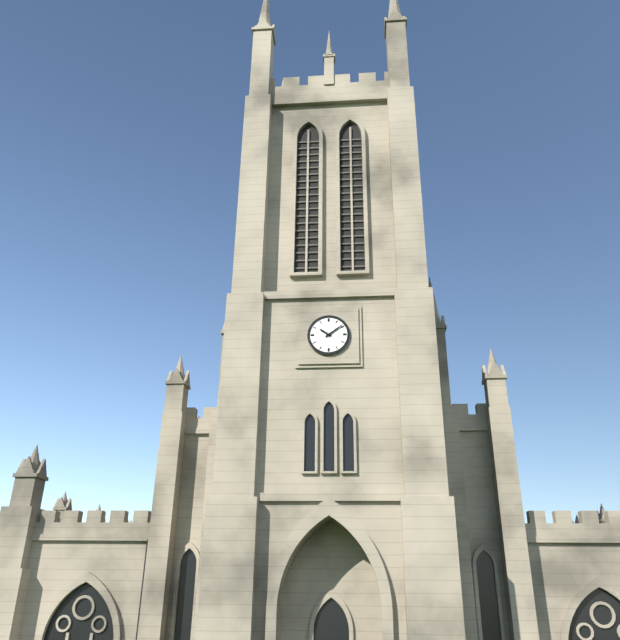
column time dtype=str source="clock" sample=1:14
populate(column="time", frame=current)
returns 10:09
